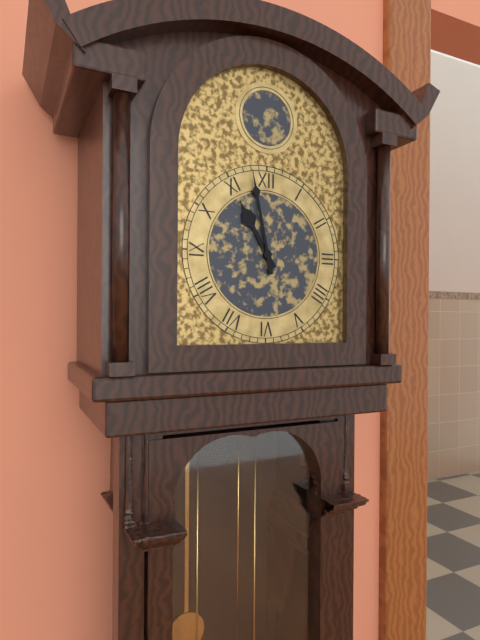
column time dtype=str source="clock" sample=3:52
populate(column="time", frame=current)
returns 10:58
